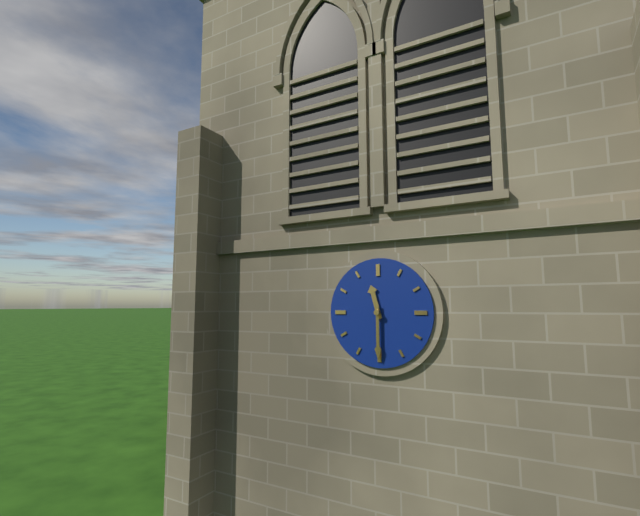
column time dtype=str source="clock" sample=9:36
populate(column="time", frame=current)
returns 11:30
